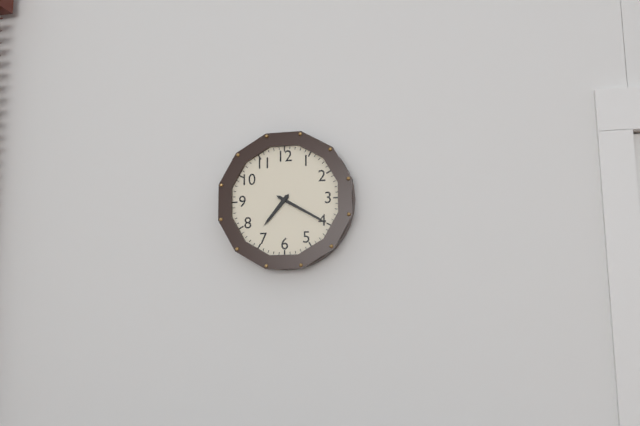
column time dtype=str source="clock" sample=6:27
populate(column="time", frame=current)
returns 7:20
